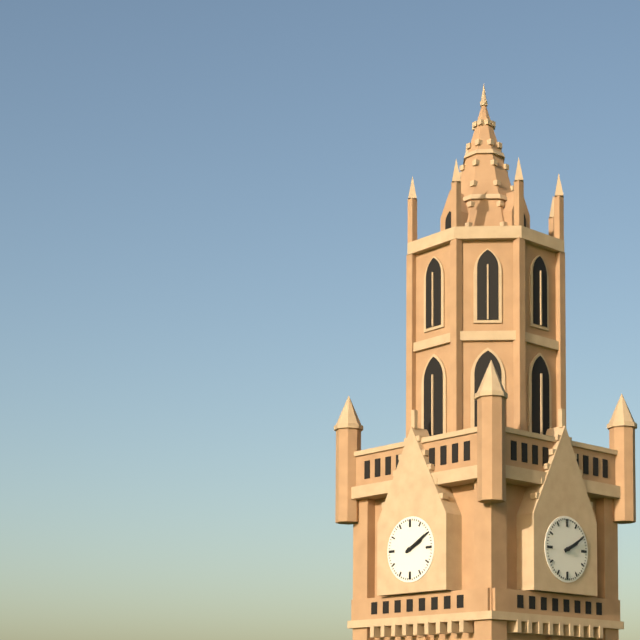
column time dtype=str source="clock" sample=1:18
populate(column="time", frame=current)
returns 2:10
